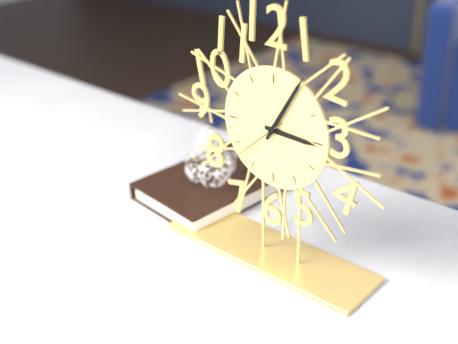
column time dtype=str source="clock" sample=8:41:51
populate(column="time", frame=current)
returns 3:05:38
